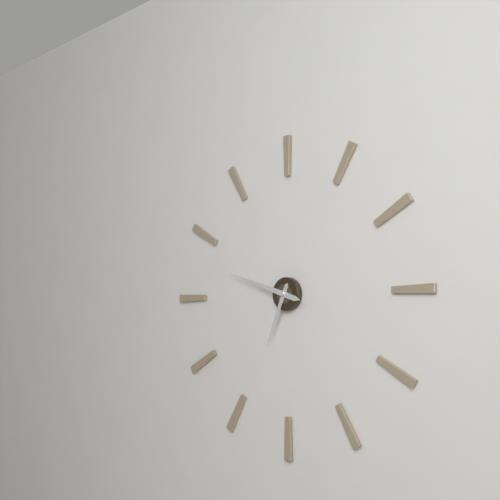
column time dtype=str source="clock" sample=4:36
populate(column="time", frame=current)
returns 6:48
